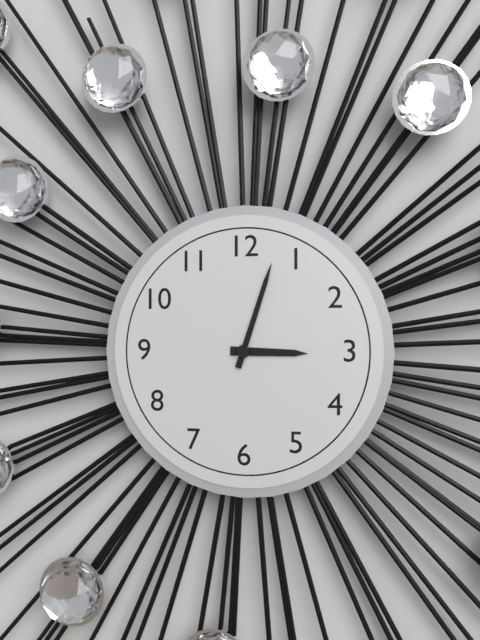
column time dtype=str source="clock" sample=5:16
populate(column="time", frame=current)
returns 3:03
